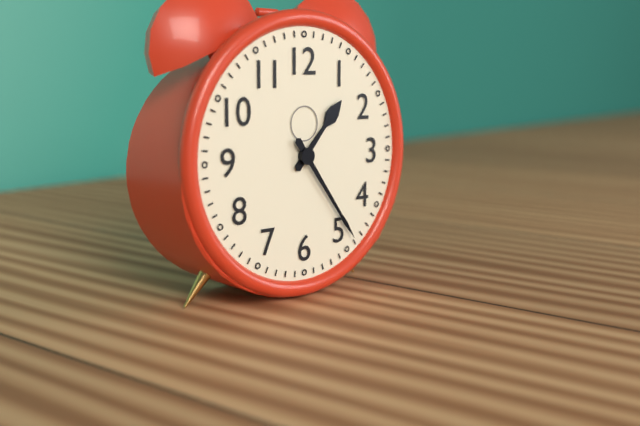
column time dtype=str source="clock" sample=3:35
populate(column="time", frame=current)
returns 1:24
